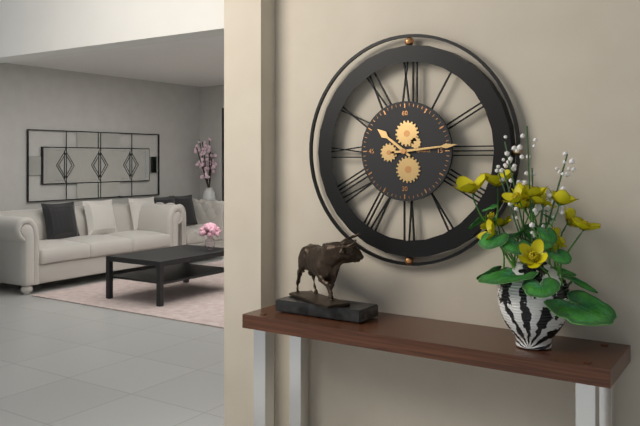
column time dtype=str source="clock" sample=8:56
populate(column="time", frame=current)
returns 10:14
